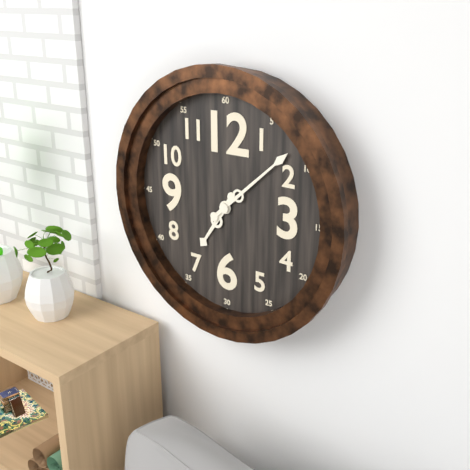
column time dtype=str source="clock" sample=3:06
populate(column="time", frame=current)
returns 7:08
